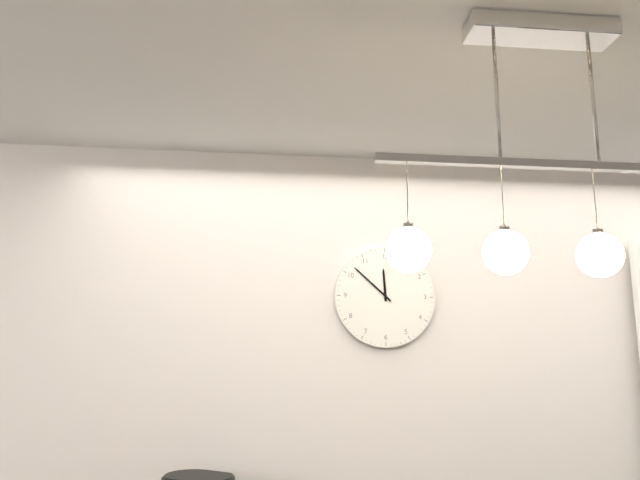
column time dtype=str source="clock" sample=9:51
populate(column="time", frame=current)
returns 11:52
